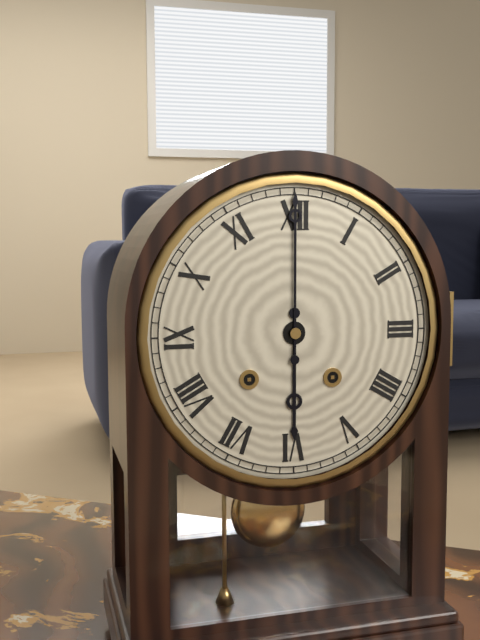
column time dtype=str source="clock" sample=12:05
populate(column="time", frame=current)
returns 6:00
